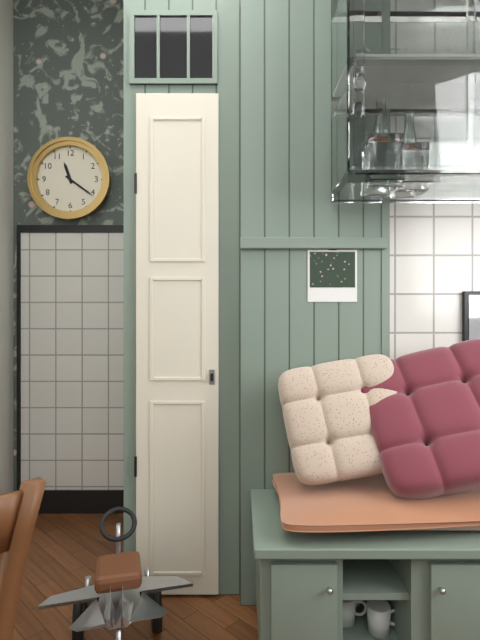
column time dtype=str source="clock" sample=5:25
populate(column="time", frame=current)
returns 11:21
